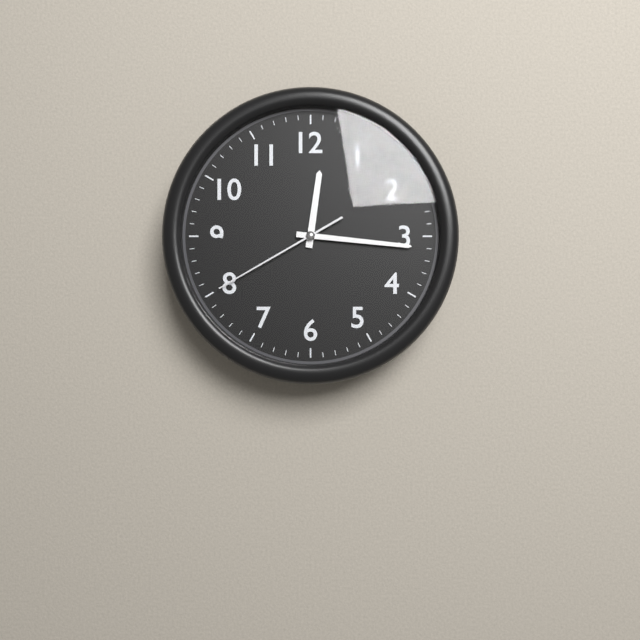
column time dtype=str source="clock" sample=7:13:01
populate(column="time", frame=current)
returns 12:16:40
